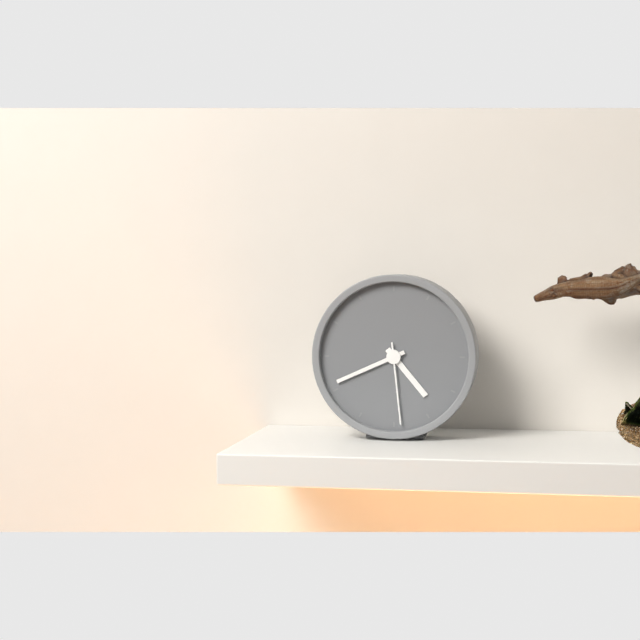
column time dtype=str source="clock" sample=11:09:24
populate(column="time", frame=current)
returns 4:41:29
